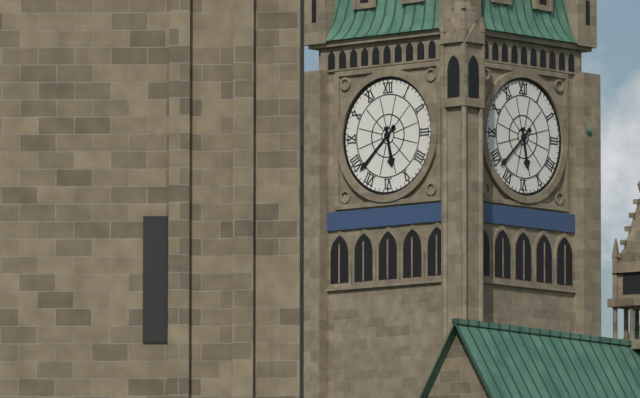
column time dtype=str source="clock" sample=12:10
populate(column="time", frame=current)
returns 5:38
